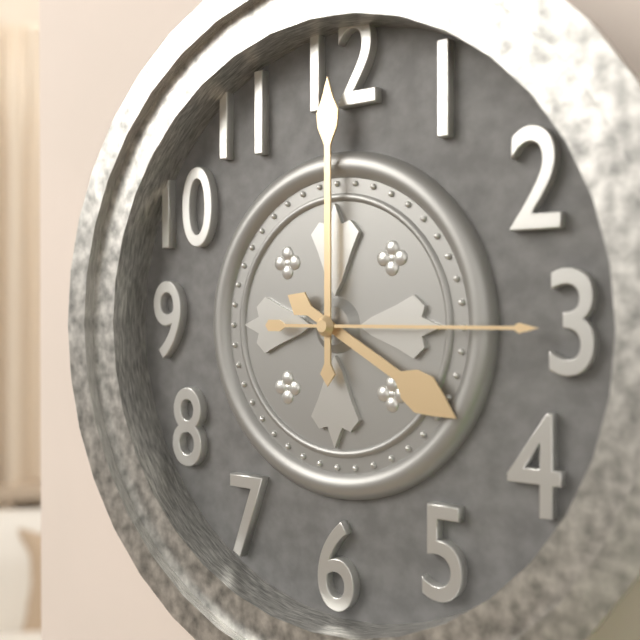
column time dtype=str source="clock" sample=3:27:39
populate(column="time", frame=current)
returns 4:00:15
